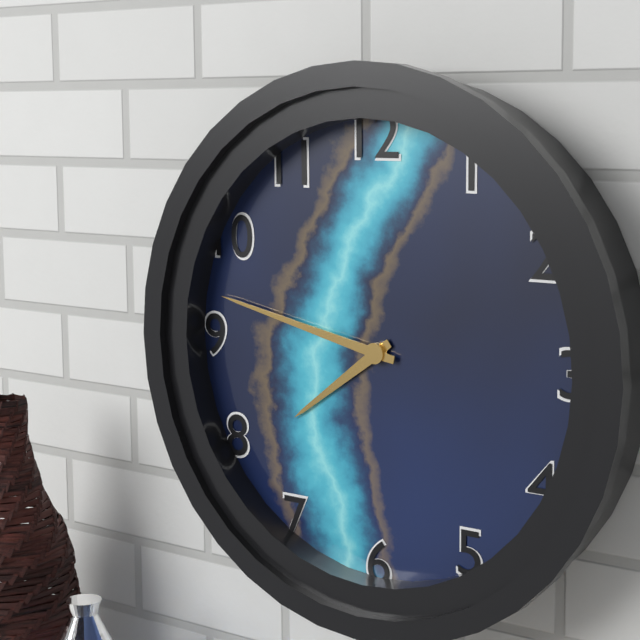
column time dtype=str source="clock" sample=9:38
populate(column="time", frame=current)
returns 7:47
